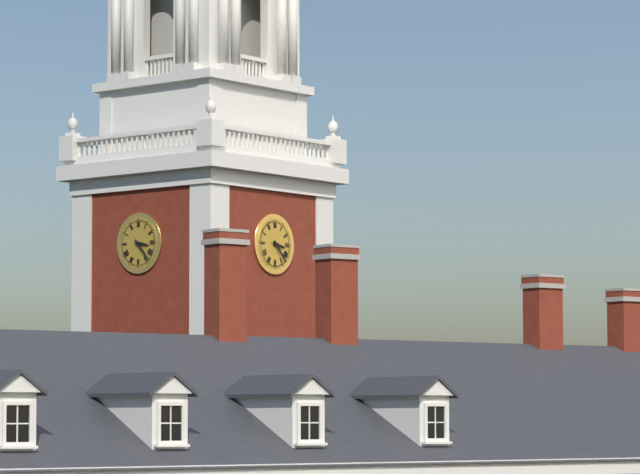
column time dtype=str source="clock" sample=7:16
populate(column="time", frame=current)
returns 3:23
